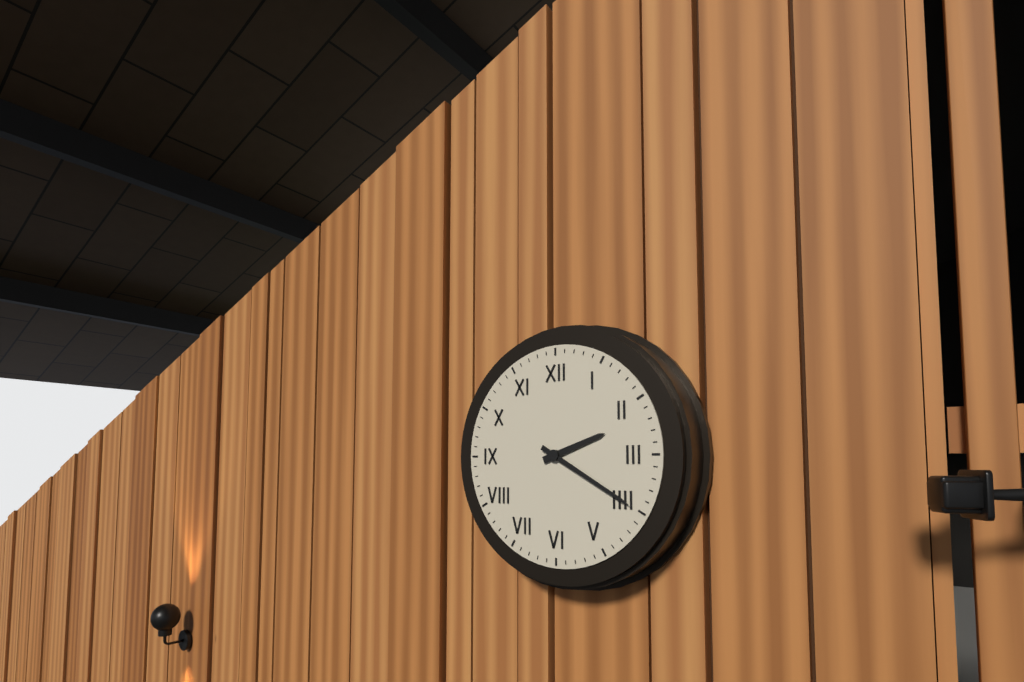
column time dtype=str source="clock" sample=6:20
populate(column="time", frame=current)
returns 2:20
